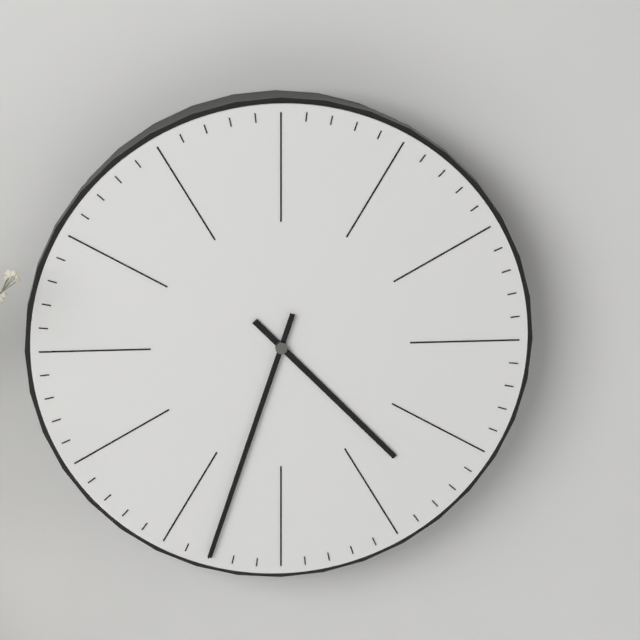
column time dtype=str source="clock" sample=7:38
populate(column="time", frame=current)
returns 4:33
